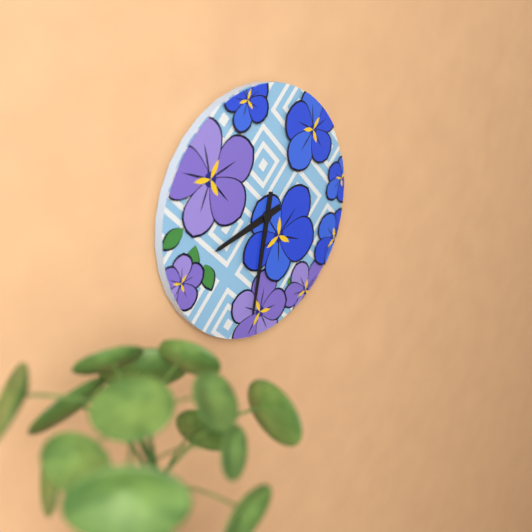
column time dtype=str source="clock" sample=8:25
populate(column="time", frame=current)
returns 8:32
